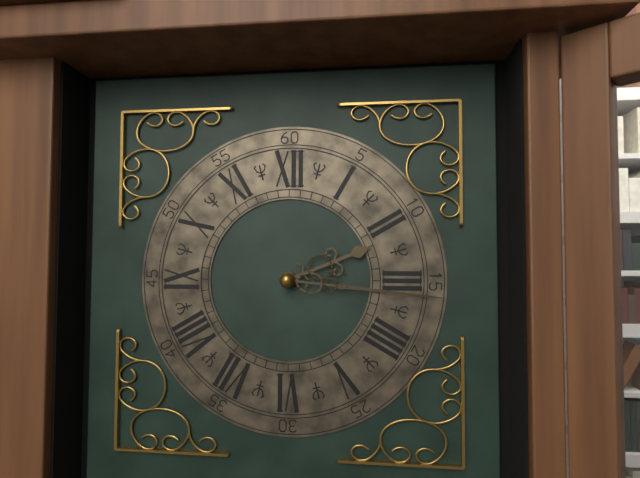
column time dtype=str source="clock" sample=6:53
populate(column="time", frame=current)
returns 2:16
